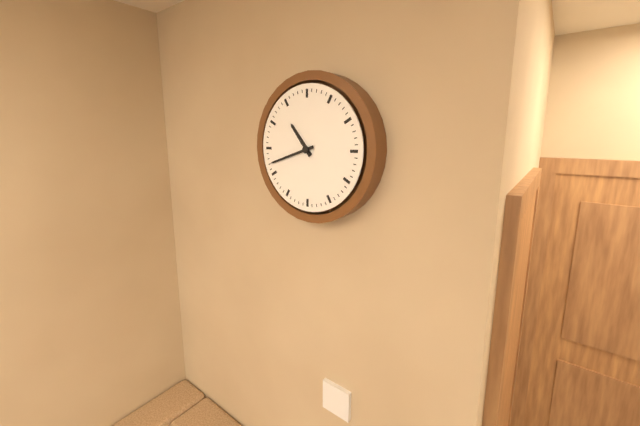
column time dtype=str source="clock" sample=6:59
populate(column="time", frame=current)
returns 10:42
